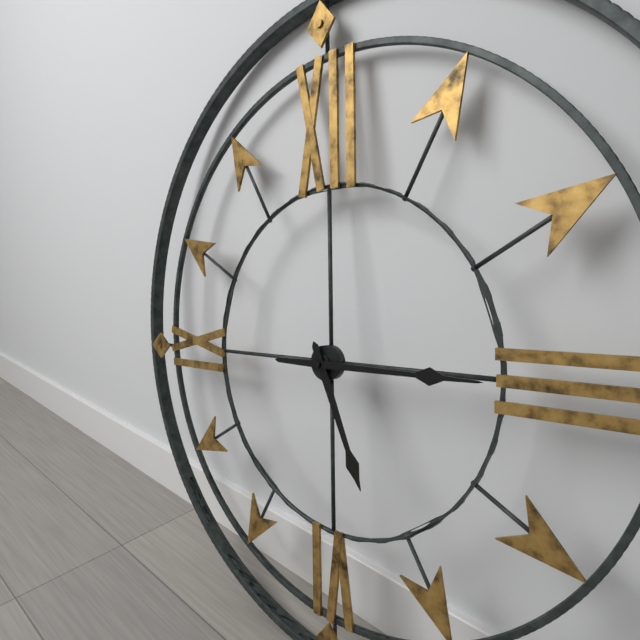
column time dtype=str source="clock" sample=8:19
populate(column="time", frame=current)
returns 5:15
